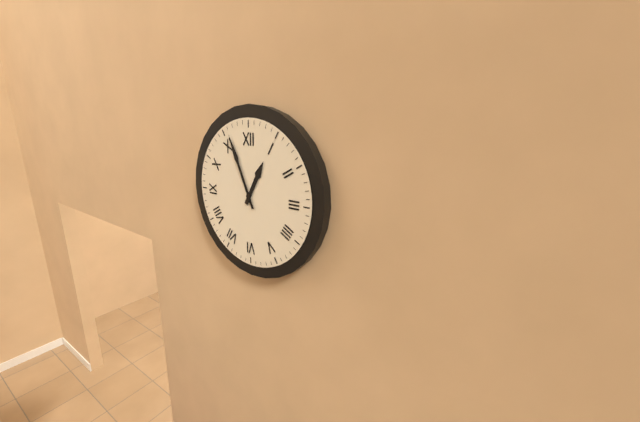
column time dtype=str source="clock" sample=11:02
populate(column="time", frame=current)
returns 12:56
